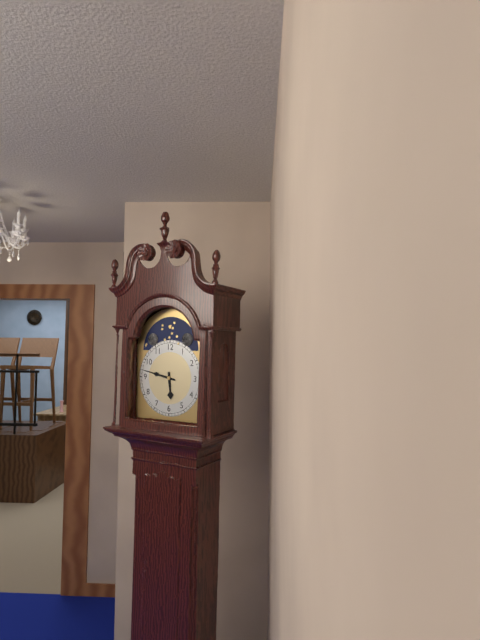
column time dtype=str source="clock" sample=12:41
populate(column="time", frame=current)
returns 5:47
